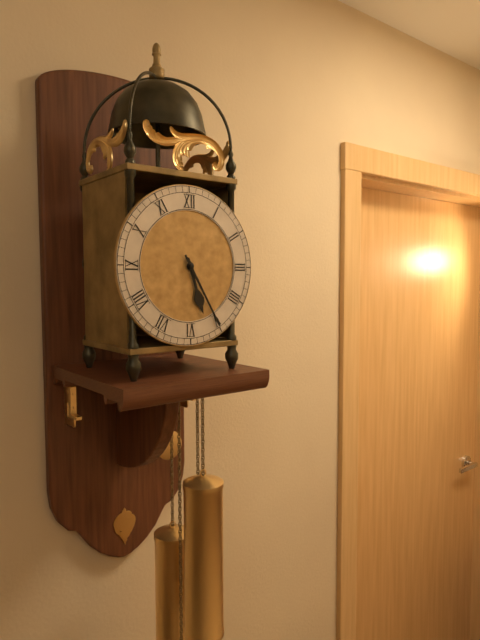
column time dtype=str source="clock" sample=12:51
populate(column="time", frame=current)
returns 5:25
